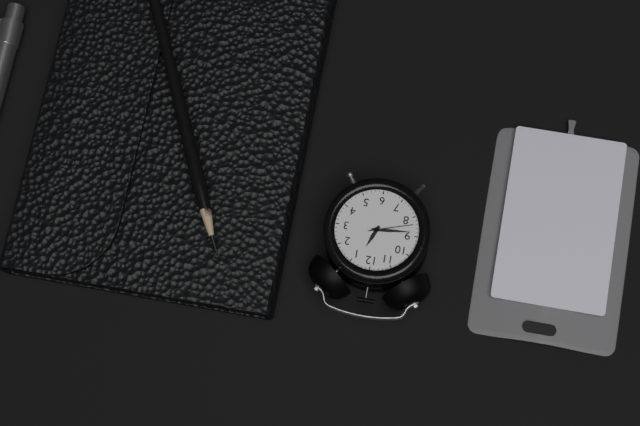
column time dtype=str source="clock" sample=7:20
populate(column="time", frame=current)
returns 12:44
